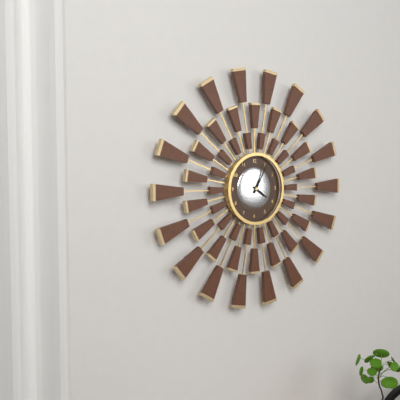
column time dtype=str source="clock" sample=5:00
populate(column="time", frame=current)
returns 4:05
